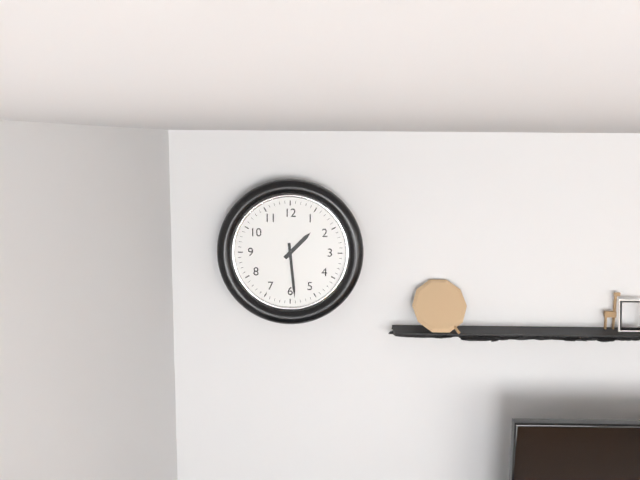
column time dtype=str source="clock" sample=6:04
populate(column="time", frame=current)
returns 1:29
